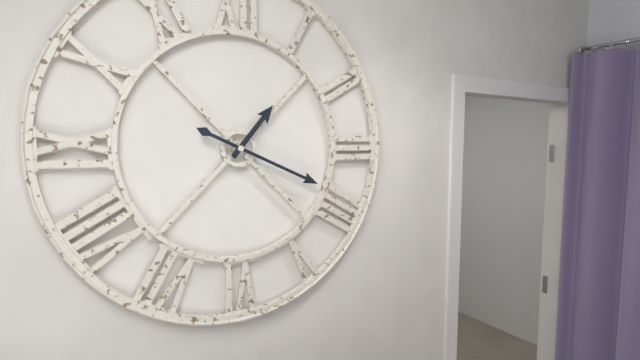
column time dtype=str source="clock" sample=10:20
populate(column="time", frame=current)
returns 1:19
